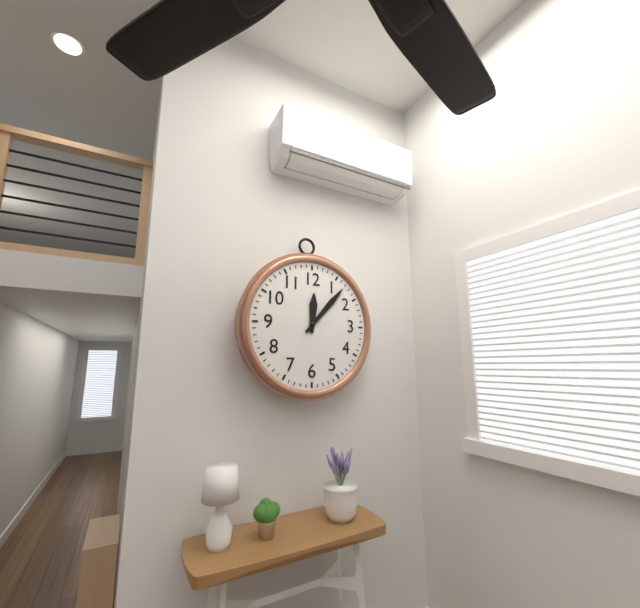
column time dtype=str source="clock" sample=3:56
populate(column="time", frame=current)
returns 12:07
